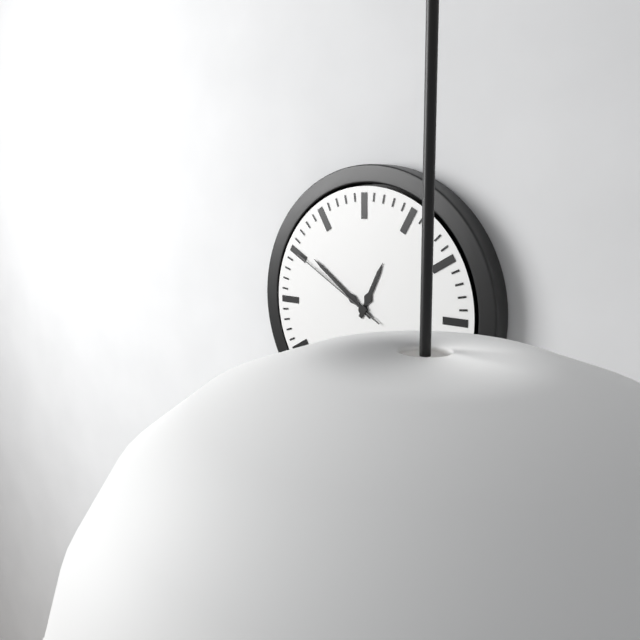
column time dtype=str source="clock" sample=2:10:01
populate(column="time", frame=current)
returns 12:51:50
